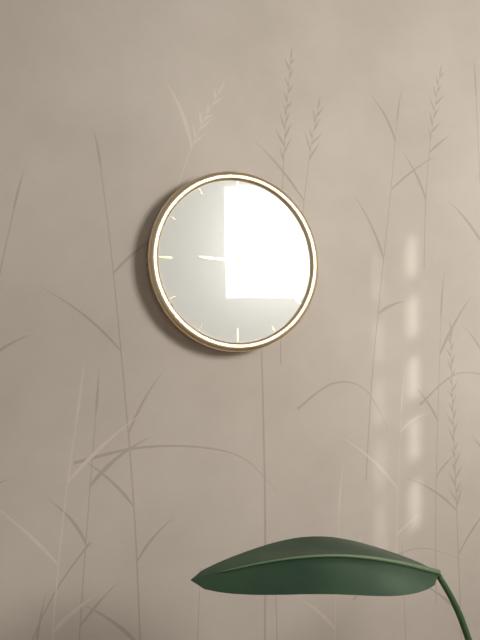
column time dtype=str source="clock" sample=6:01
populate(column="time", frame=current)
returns 9:06
